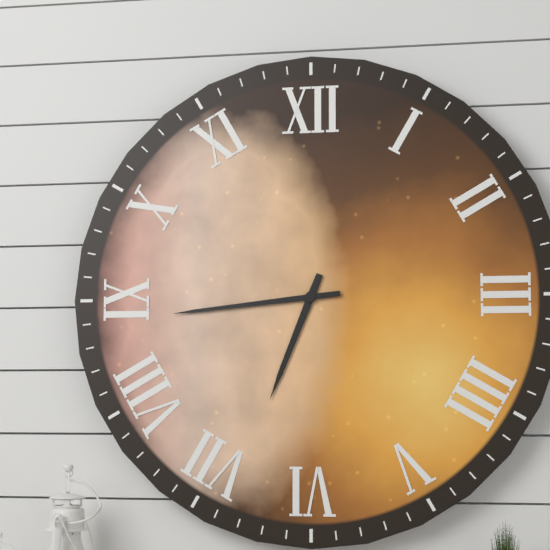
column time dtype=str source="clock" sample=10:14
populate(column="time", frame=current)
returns 6:44
